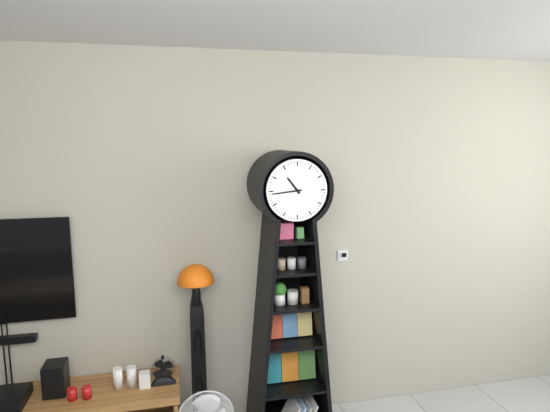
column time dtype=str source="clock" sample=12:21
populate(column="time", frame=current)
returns 10:44
